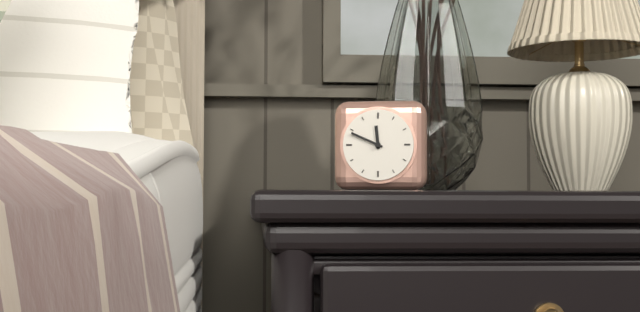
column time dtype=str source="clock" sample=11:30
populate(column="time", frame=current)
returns 11:49
